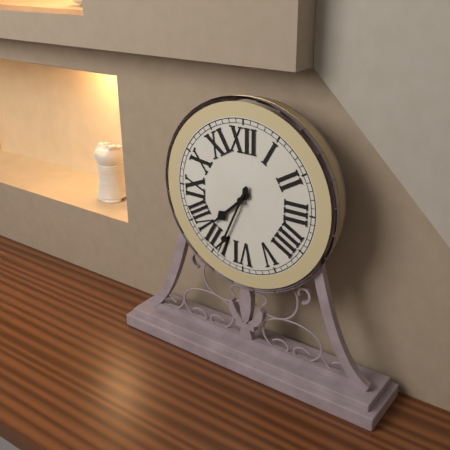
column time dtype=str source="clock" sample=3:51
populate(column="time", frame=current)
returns 7:34
